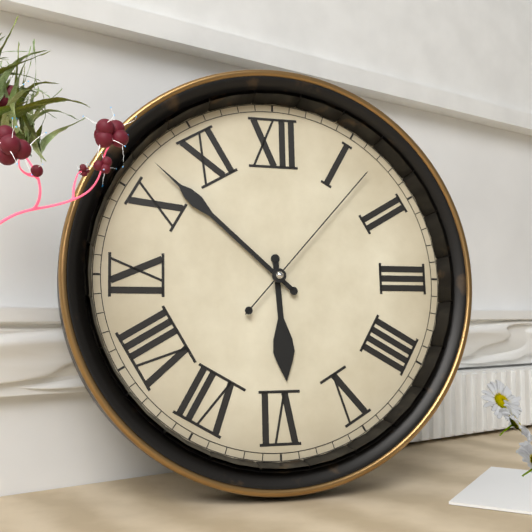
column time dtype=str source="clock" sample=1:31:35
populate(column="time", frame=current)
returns 5:52:07
